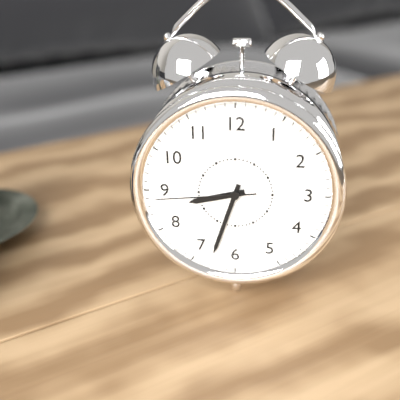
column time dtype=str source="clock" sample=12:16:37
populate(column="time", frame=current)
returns 8:33:44
